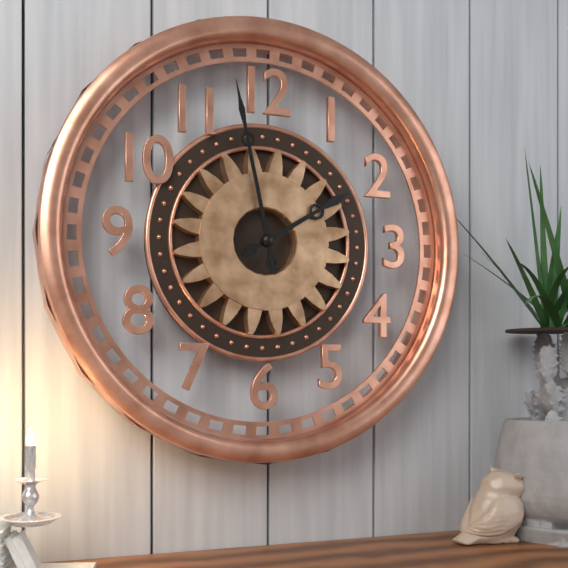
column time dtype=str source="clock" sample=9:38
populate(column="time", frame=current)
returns 1:58
